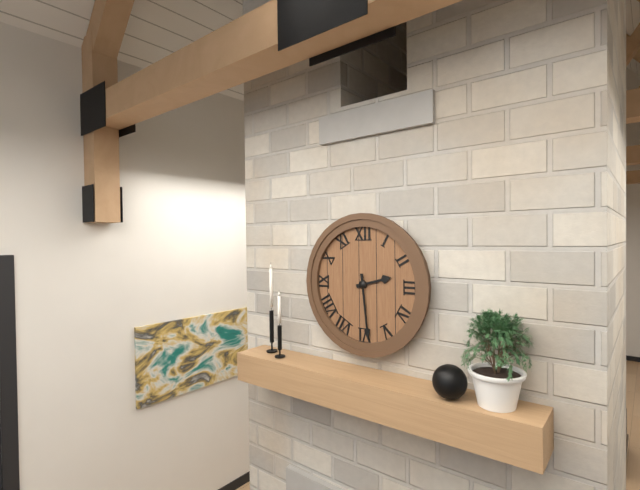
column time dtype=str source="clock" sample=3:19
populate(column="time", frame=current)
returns 2:29
